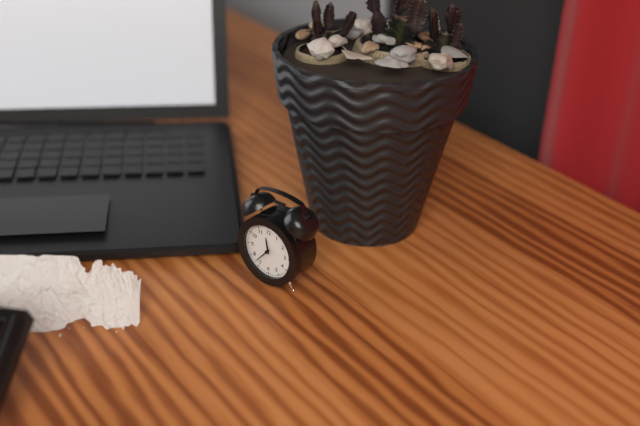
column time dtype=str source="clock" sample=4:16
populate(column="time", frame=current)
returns 11:37
